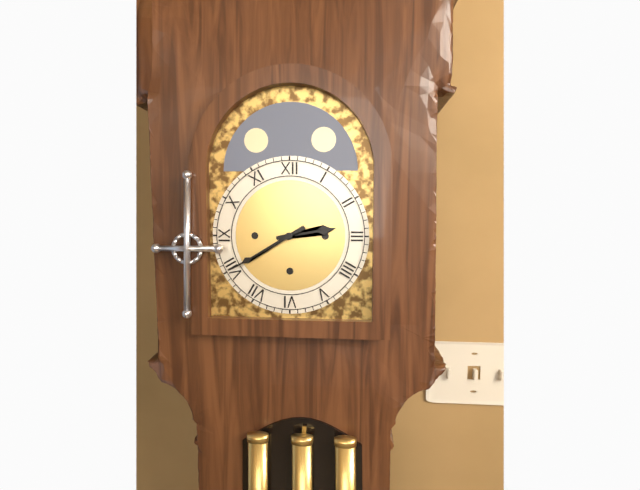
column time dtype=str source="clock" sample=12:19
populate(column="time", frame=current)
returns 2:40
